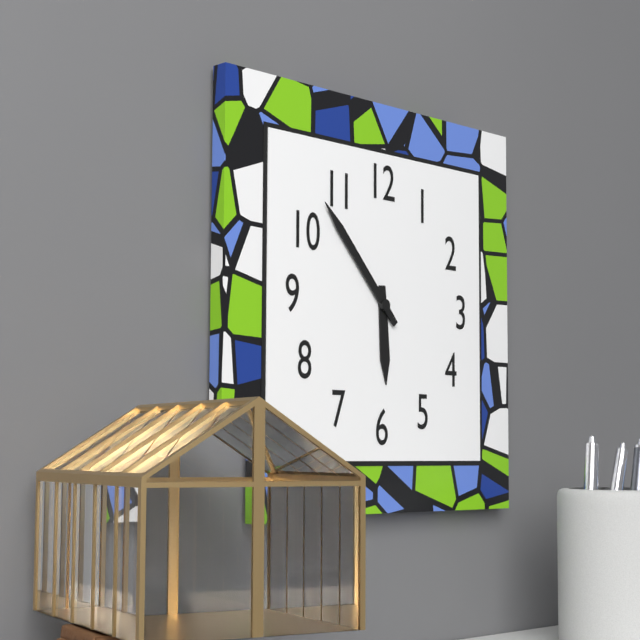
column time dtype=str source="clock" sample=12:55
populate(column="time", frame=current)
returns 5:53
